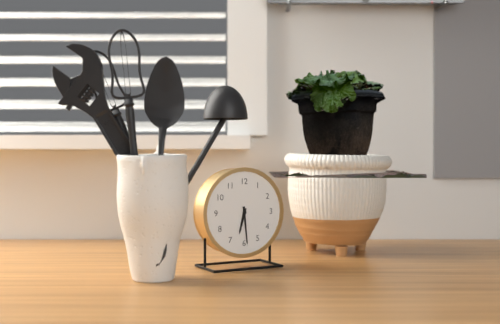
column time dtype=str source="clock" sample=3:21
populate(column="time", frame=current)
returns 6:29
